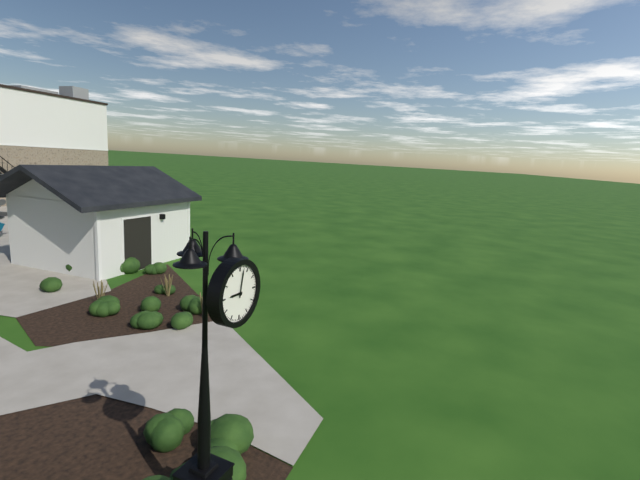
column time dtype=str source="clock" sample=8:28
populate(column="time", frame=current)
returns 9:02
